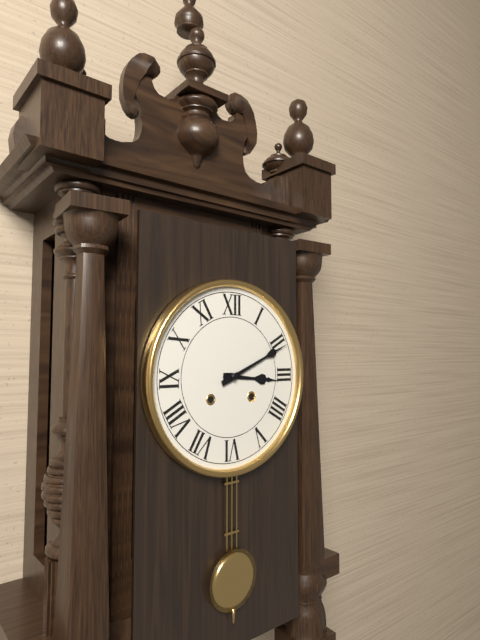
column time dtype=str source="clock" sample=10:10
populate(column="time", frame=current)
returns 3:11
